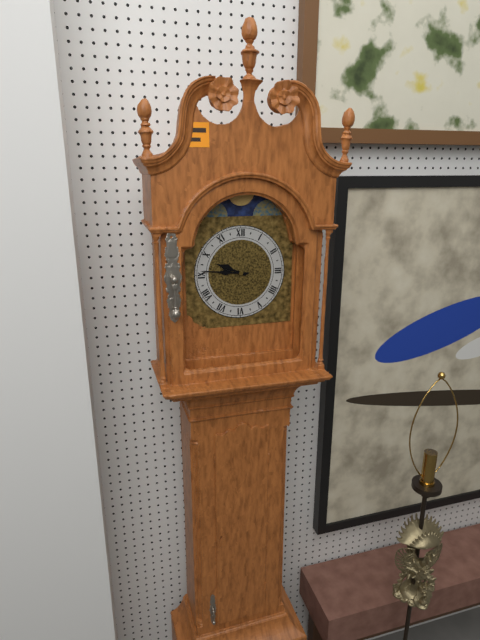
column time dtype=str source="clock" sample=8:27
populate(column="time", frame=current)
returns 9:46
